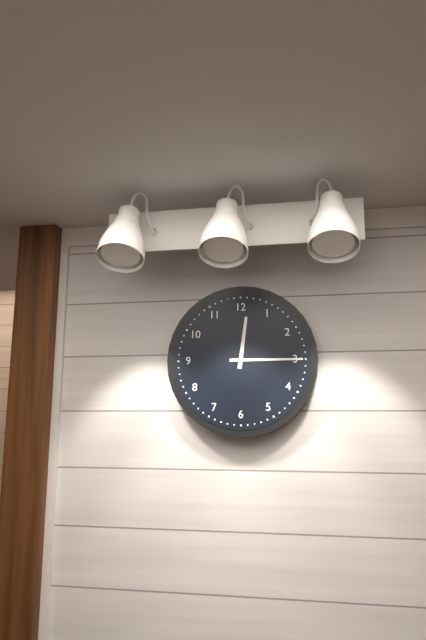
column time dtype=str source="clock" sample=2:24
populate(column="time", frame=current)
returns 12:15
